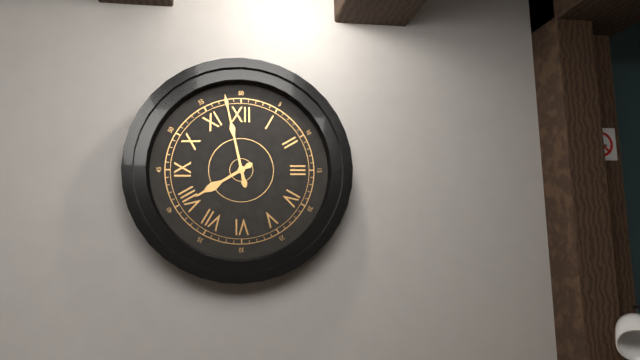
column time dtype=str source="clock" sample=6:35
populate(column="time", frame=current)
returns 7:58
